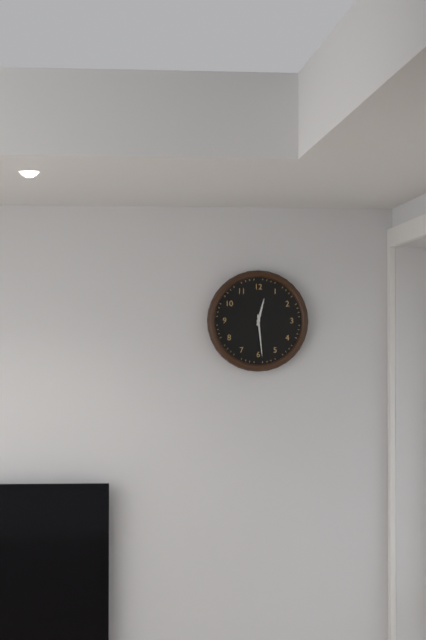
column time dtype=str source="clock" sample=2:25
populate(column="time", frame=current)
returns 12:29
